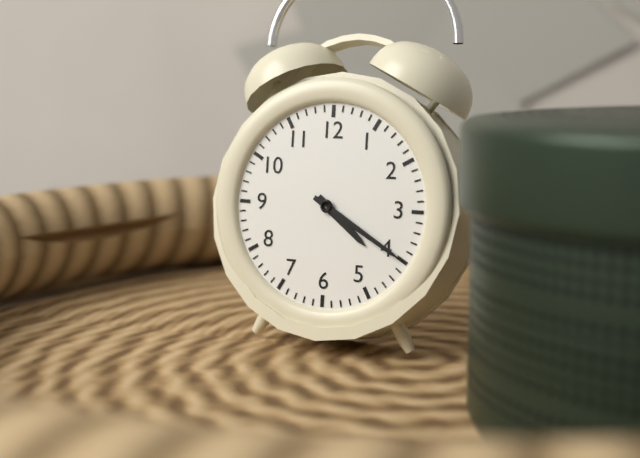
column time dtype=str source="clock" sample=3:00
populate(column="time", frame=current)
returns 4:20
